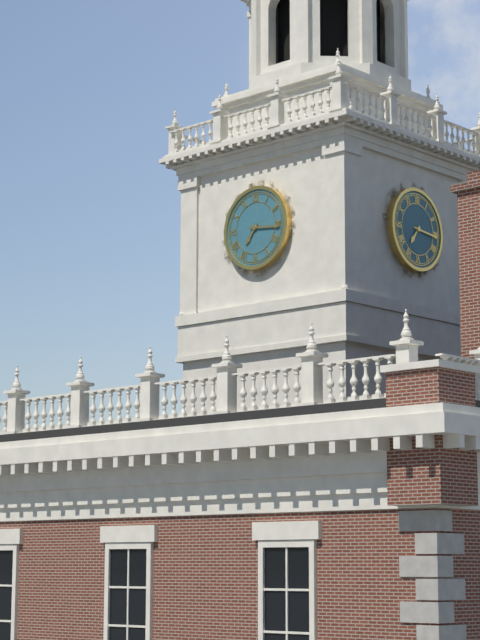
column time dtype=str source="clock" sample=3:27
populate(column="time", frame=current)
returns 7:16
